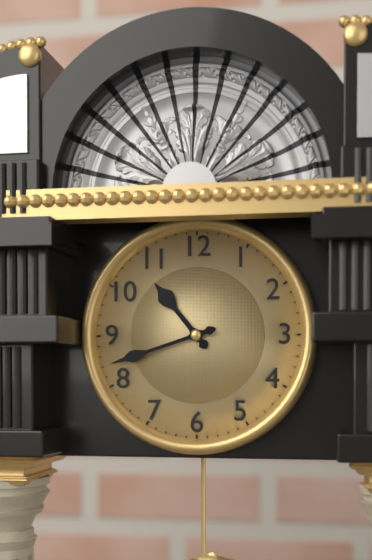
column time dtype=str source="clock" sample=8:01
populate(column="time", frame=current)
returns 10:42
